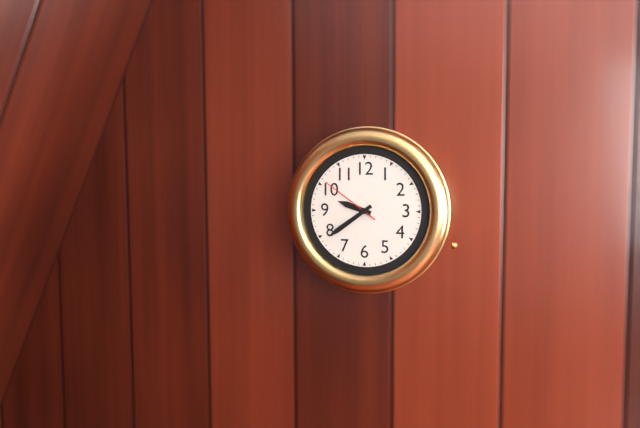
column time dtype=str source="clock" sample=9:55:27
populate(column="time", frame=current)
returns 9:39:51
